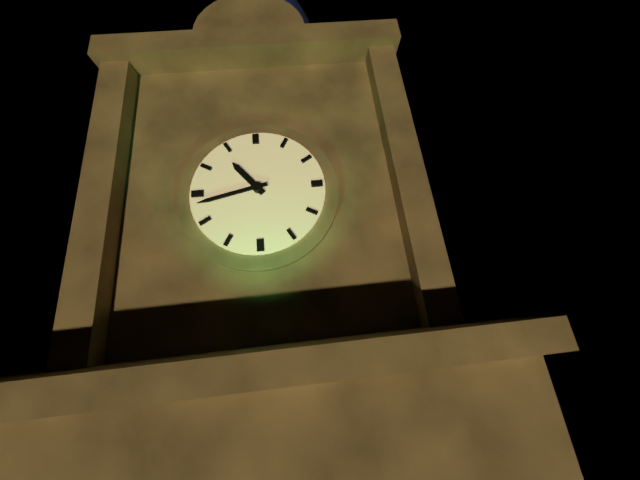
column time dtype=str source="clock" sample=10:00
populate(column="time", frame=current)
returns 10:43
